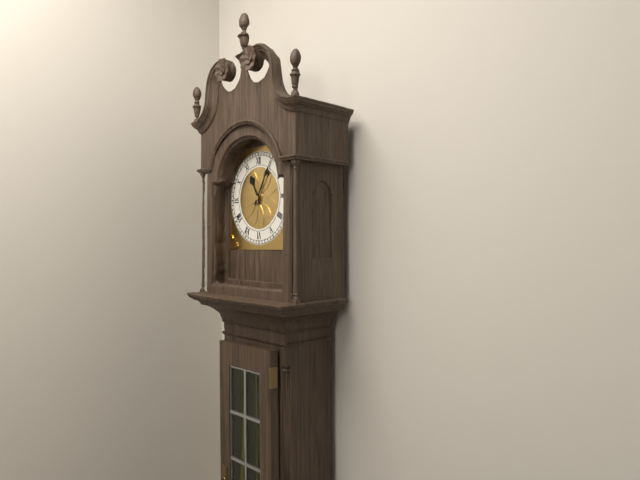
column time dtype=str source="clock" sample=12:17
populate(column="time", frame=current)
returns 11:05
